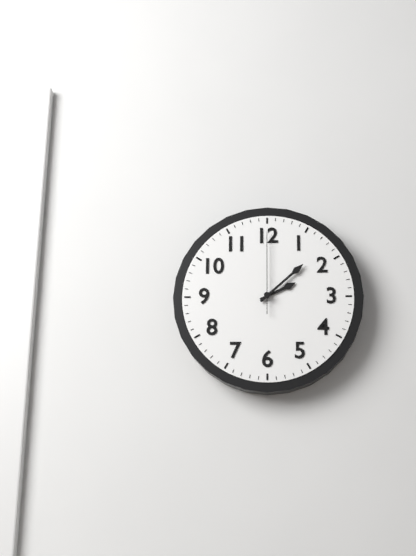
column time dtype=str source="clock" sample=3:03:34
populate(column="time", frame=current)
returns 2:08:00
